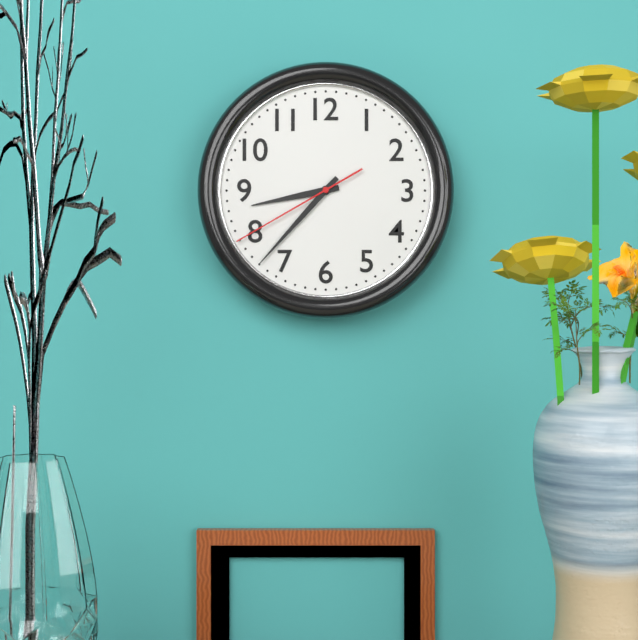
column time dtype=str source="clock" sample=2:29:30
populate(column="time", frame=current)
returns 8:37:40
